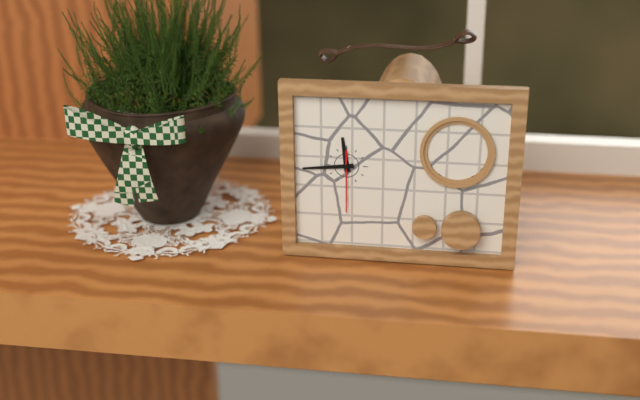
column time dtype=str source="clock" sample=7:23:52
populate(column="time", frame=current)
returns 11:44:30
